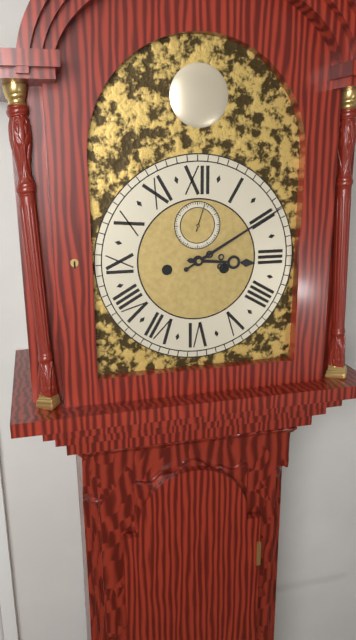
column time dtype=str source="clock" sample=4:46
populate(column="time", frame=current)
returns 3:10
